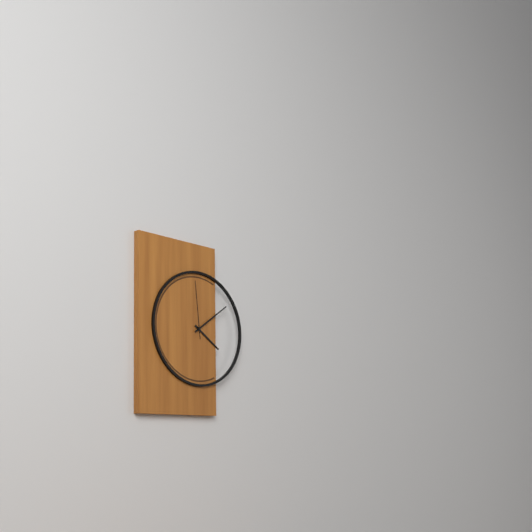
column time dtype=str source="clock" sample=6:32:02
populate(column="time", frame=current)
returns 4:09:59
